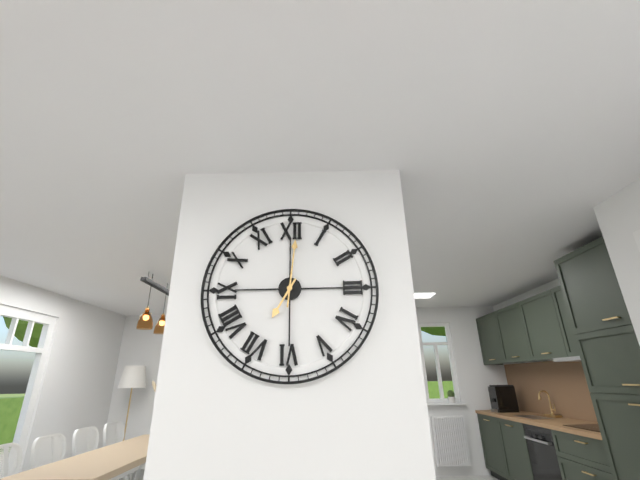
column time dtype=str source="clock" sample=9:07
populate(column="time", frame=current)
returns 7:01
